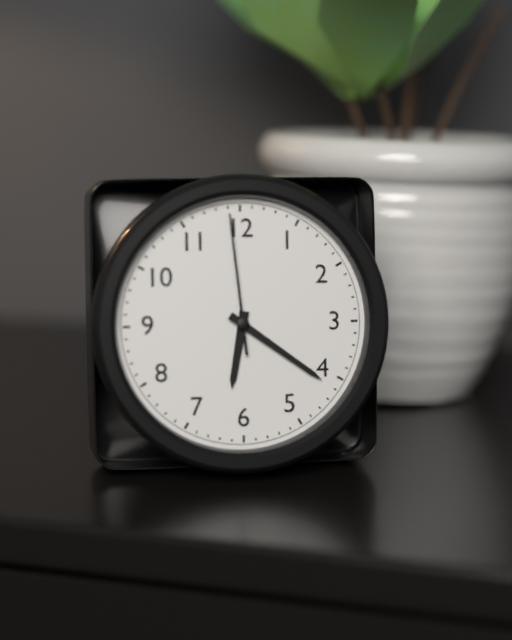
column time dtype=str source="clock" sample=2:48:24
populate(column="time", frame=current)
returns 6:21:59
